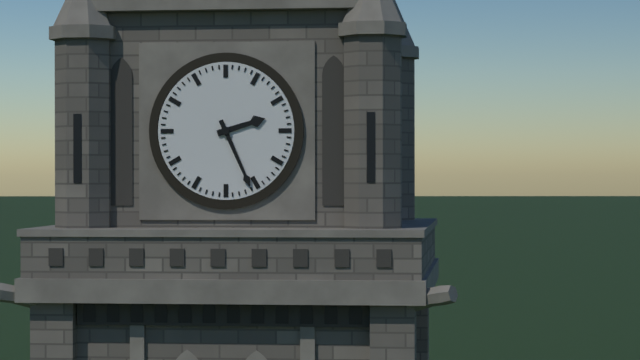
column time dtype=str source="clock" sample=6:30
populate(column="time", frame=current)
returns 2:26
